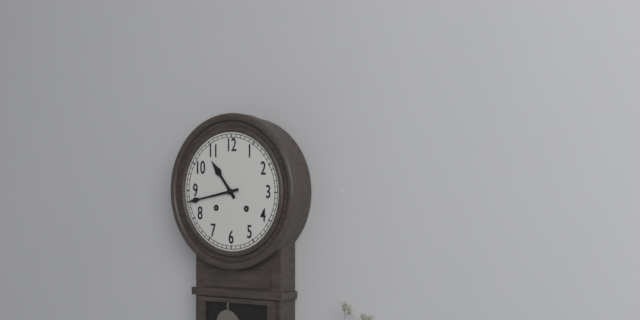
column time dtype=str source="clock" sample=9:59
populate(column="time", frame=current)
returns 10:43
